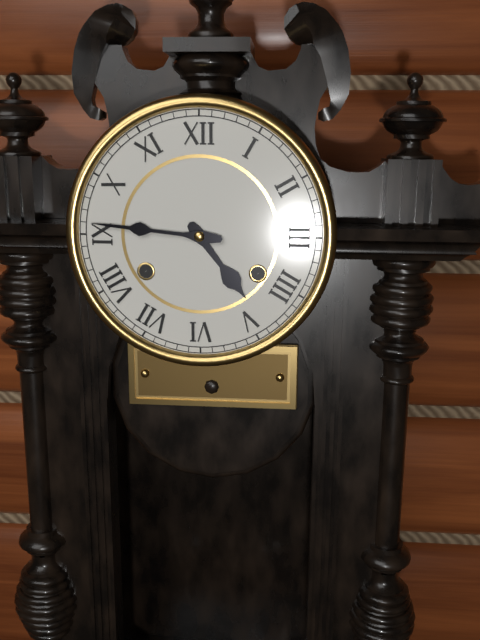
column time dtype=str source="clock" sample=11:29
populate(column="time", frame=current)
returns 4:46
